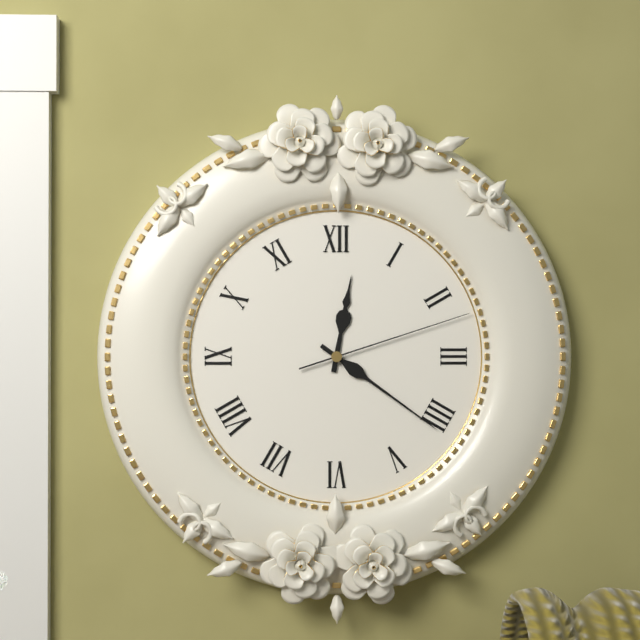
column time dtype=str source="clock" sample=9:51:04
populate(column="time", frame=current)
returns 12:21:12
